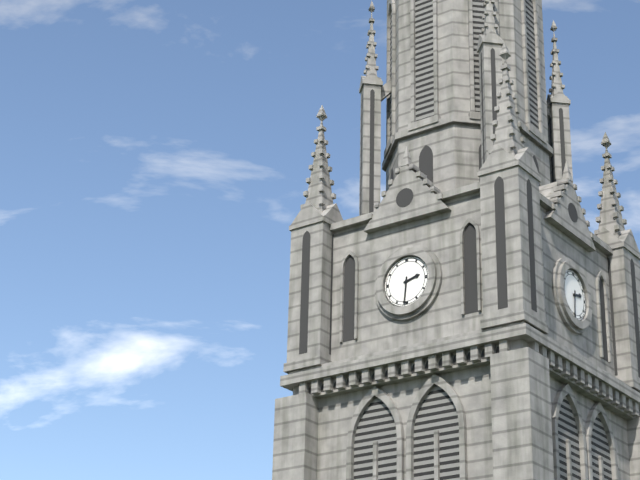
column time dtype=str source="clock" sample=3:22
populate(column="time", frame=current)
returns 2:31
